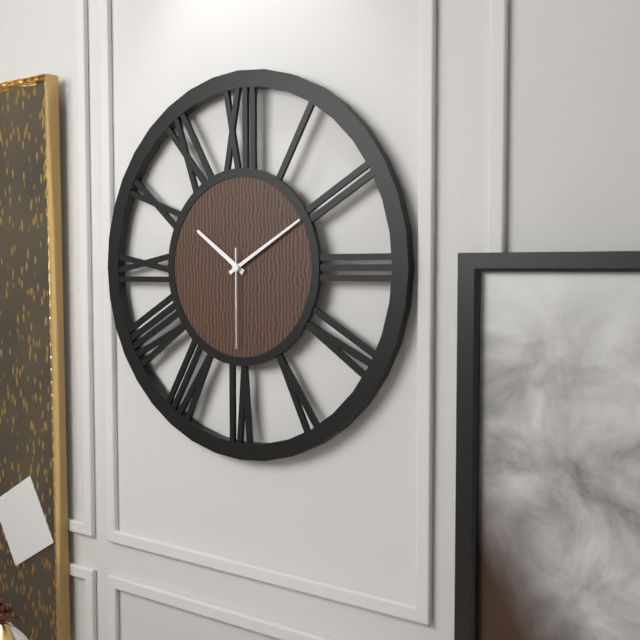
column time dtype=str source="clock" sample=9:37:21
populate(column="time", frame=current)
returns 10:10:30
